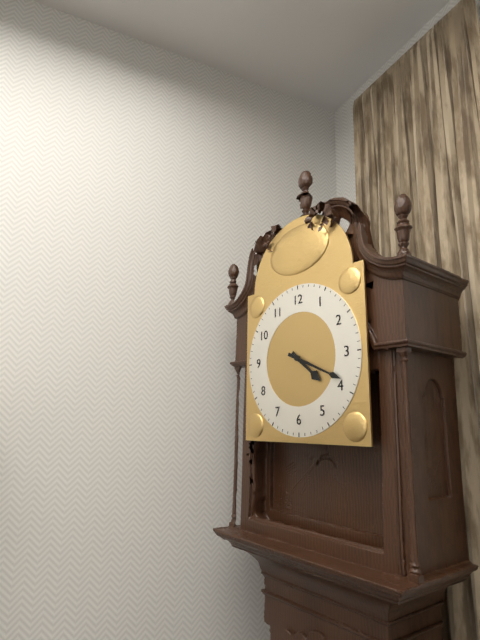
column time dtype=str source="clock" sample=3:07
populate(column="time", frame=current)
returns 4:19
